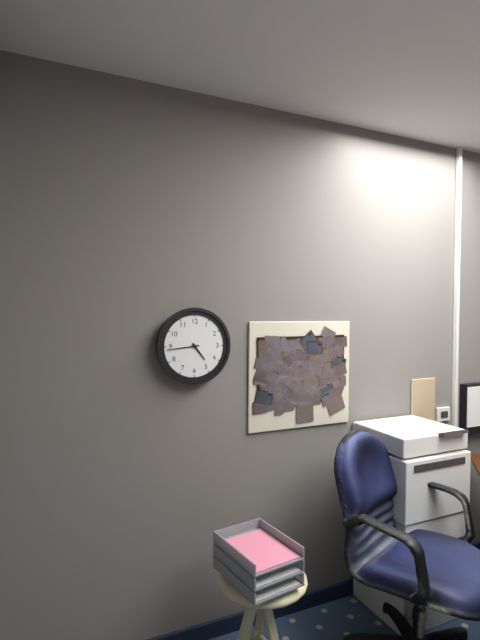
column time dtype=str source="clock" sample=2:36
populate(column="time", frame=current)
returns 4:44
